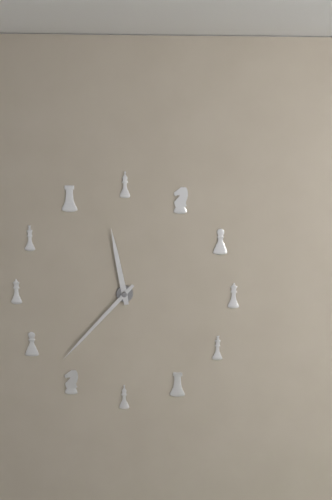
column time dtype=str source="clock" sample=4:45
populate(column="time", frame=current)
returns 11:37
